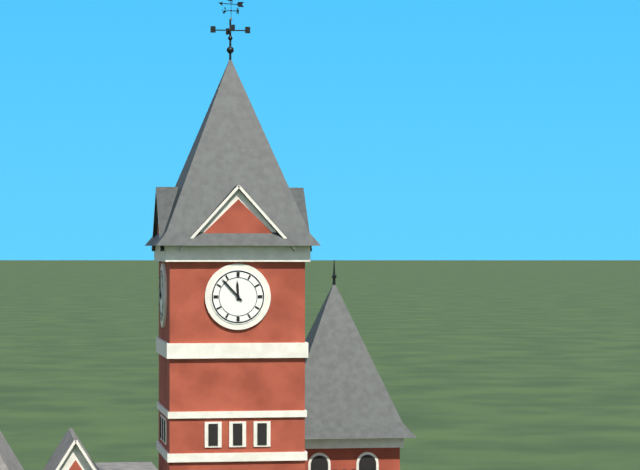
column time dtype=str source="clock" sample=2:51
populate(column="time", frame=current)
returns 11:53
